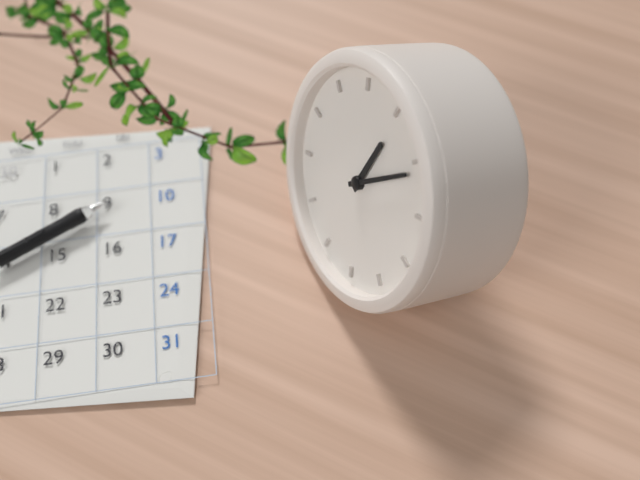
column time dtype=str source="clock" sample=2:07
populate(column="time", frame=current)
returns 12:06
